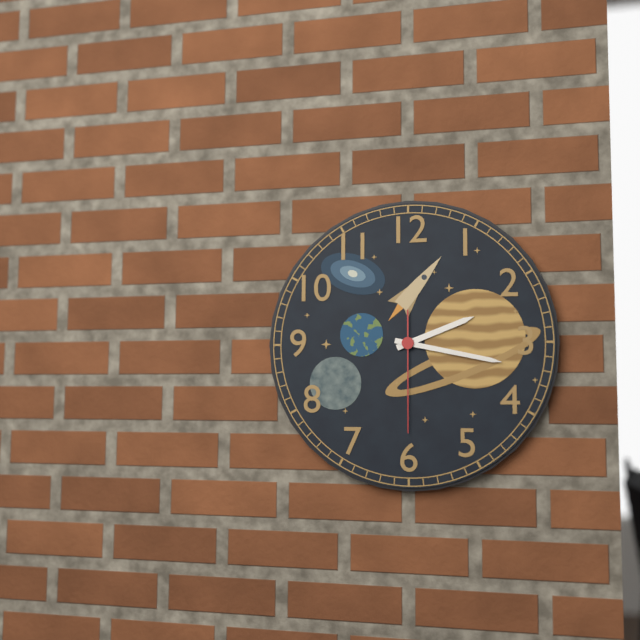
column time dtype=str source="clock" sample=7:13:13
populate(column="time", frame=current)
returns 2:17:30
